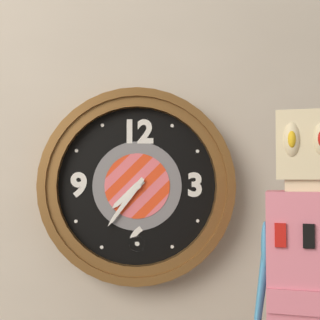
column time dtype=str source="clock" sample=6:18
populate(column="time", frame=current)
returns 7:36
